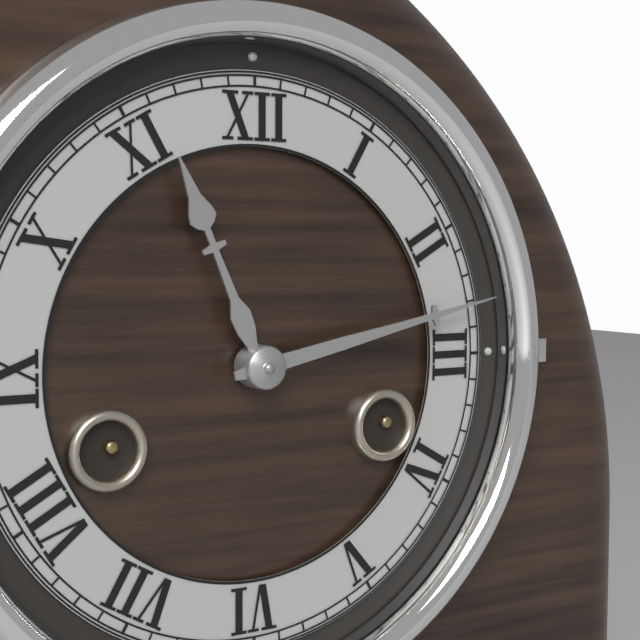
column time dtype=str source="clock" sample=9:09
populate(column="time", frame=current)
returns 11:13
